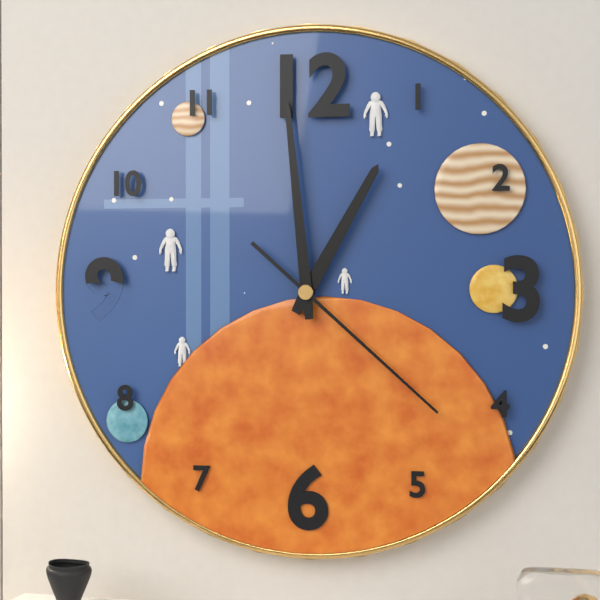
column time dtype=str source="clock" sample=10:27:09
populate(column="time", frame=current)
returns 12:59:22
